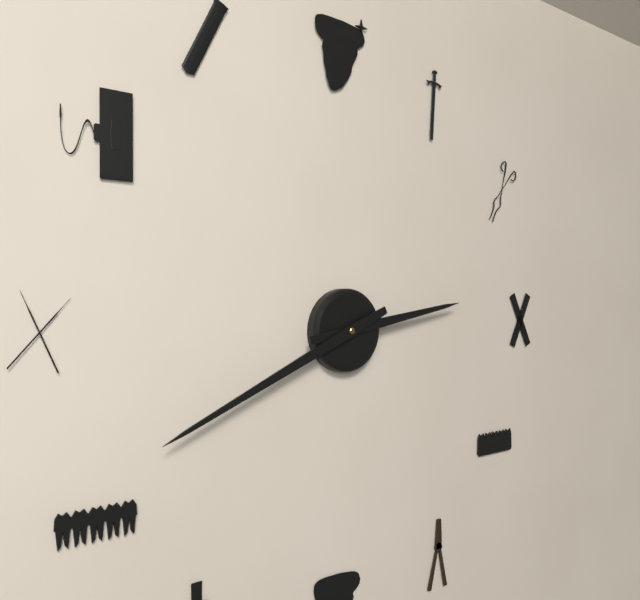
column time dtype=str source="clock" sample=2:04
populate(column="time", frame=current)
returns 2:41
